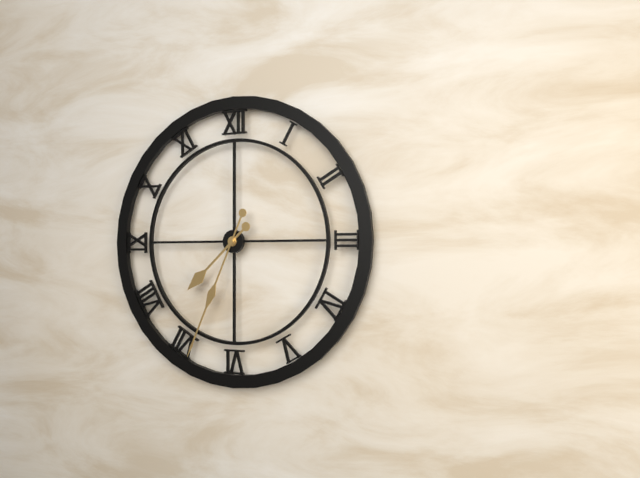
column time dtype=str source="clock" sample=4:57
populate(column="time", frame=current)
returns 7:34
